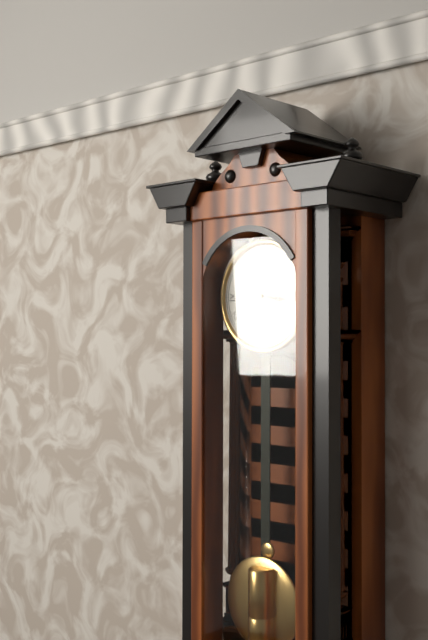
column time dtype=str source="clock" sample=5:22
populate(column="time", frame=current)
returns 3:16
